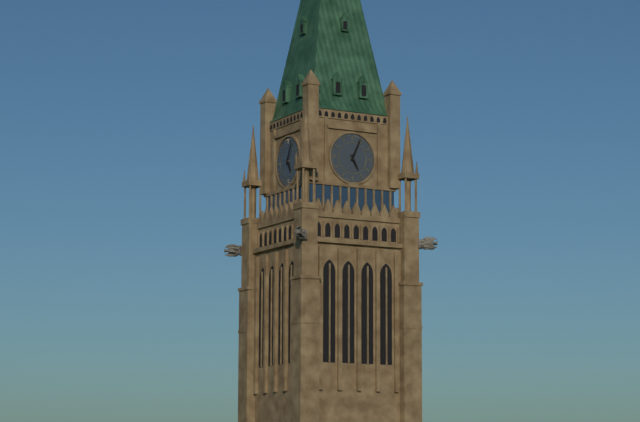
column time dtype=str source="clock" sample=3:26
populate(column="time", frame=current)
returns 5:04
